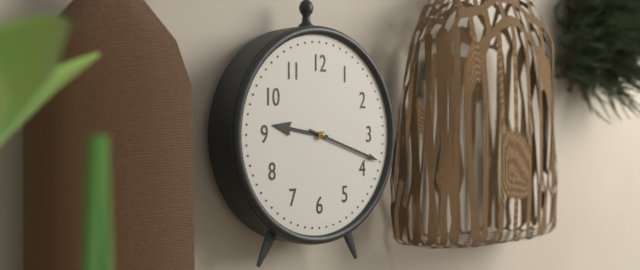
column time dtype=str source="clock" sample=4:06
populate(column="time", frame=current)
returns 9:18
